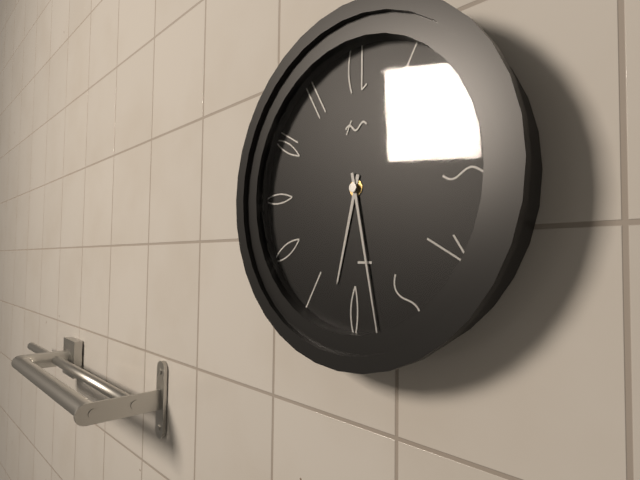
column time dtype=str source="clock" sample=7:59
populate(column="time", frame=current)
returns 6:28
